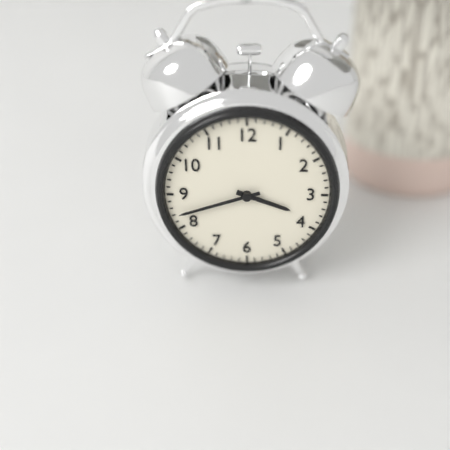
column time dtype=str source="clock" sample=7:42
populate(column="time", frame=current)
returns 3:42
